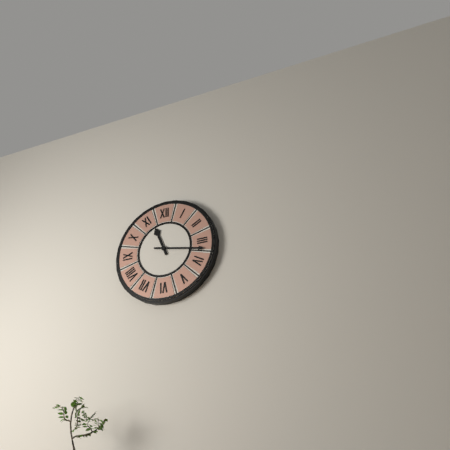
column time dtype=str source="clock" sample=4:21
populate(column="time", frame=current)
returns 11:17
